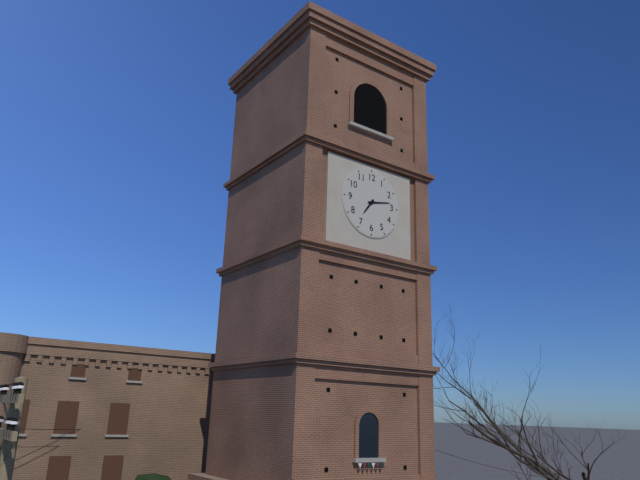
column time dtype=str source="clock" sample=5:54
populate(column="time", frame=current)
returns 7:13
